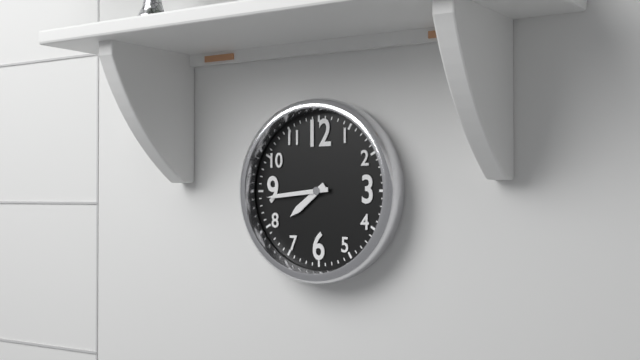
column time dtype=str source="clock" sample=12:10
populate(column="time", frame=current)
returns 7:44
